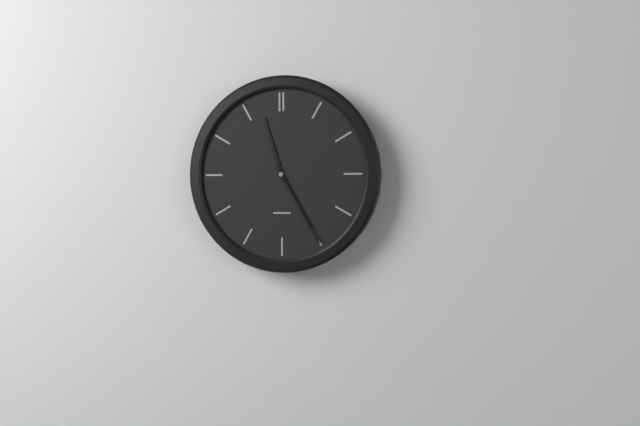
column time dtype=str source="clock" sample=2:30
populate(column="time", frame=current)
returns 11:25
